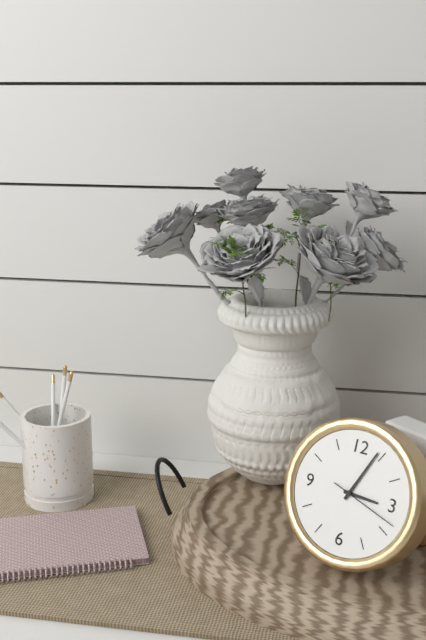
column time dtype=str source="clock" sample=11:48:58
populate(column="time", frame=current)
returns 3:04:18
